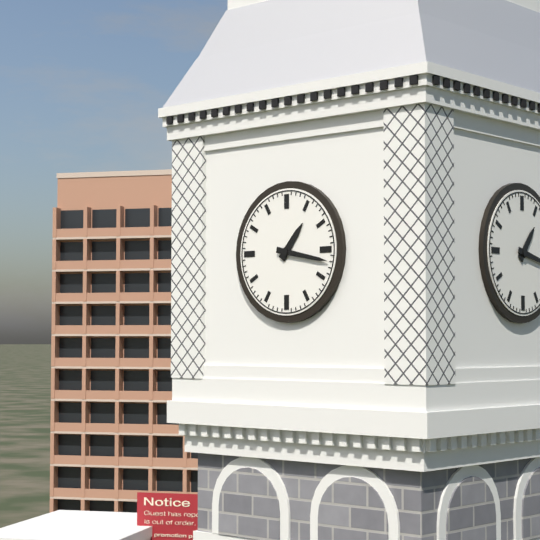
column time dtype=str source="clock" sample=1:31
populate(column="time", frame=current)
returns 1:17
